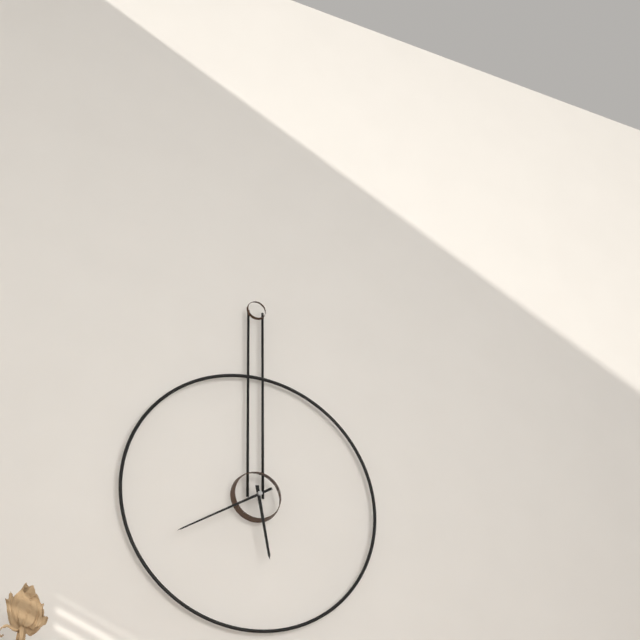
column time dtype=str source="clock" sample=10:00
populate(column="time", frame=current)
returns 5:40
